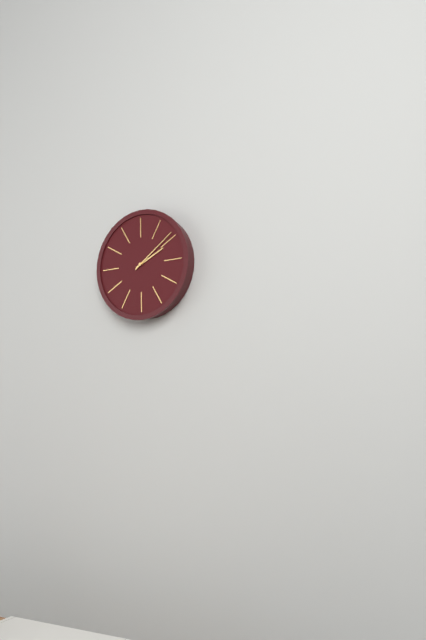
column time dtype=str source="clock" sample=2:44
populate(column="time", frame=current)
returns 2:09
